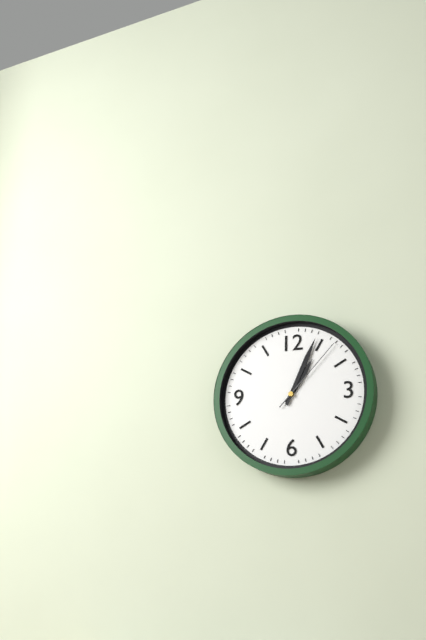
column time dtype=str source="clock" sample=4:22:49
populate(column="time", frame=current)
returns 1:04:07
